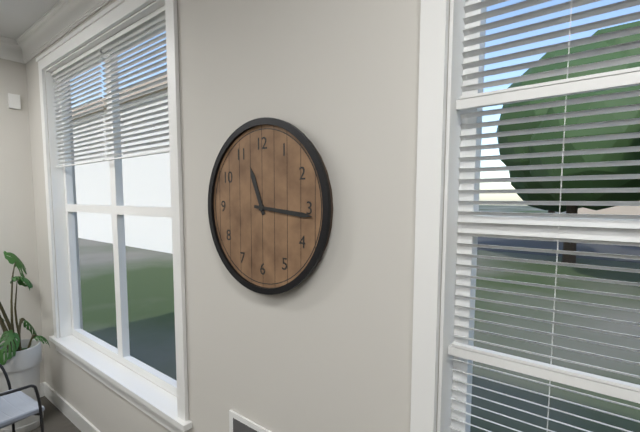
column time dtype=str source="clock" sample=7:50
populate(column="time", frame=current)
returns 11:16
